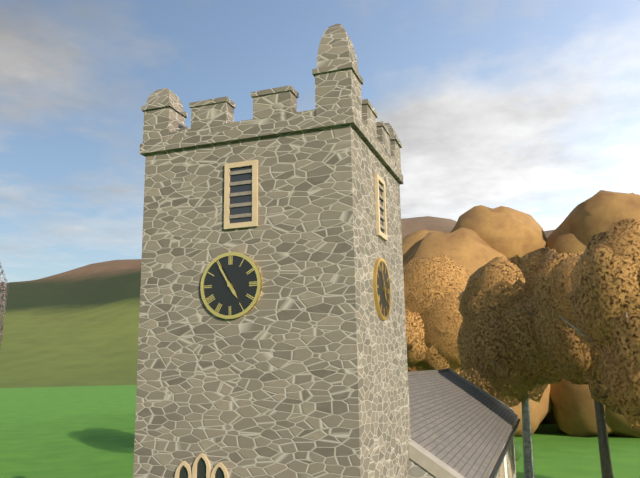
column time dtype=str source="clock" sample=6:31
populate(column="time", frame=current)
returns 4:55
